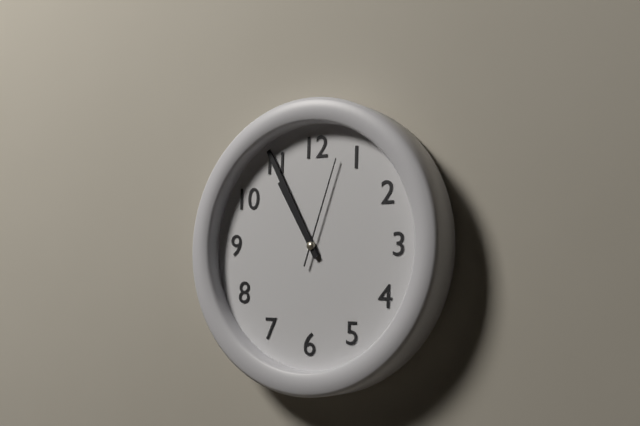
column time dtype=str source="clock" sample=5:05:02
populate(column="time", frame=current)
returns 10:55:03
